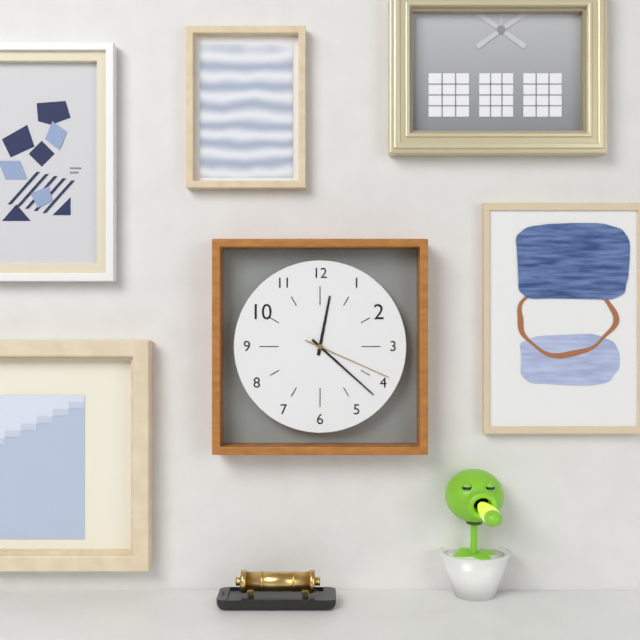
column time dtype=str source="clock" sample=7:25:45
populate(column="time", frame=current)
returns 12:22:19
